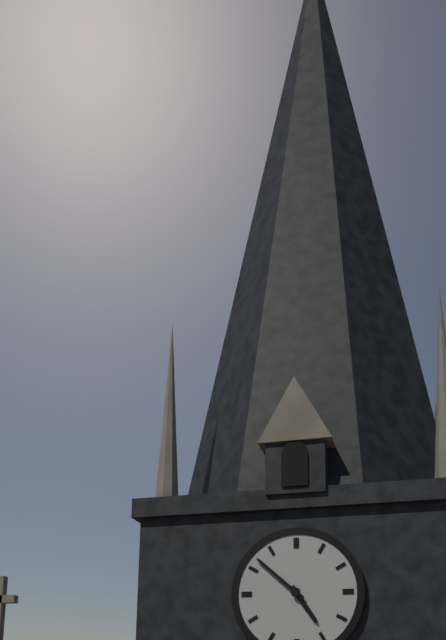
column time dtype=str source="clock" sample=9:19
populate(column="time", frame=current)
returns 4:52
